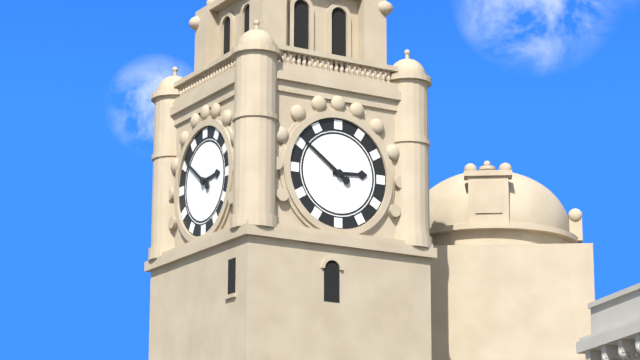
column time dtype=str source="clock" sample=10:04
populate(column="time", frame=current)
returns 2:51
